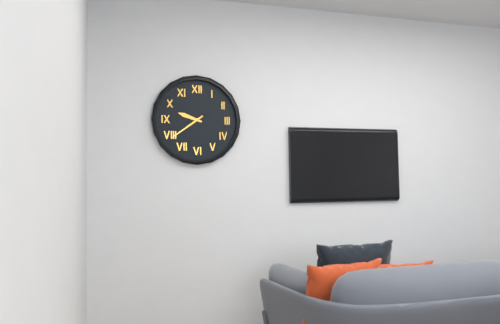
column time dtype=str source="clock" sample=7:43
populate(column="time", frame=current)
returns 9:39
